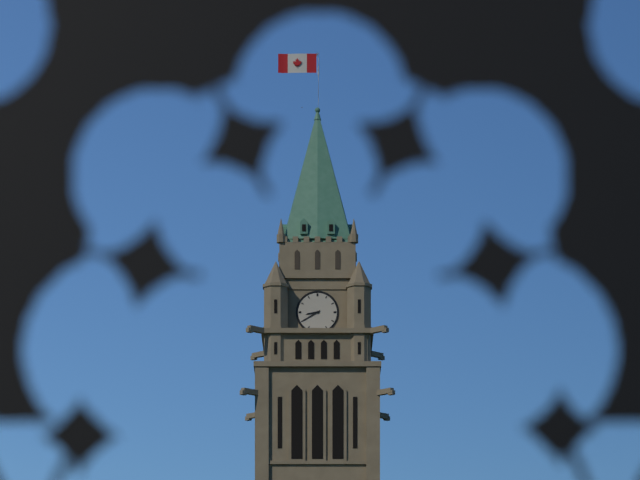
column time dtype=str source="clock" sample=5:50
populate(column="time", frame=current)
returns 8:40
